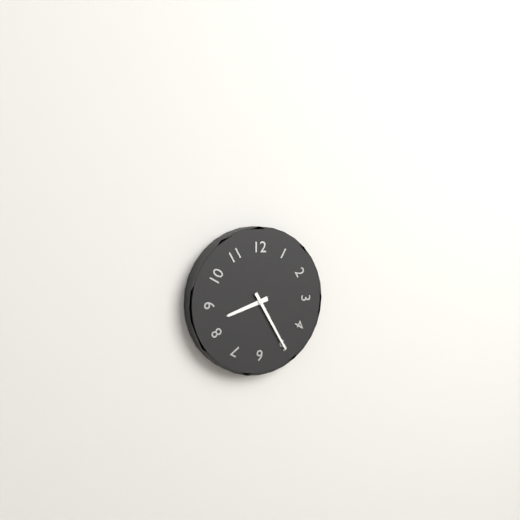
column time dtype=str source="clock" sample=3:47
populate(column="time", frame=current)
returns 8:25
